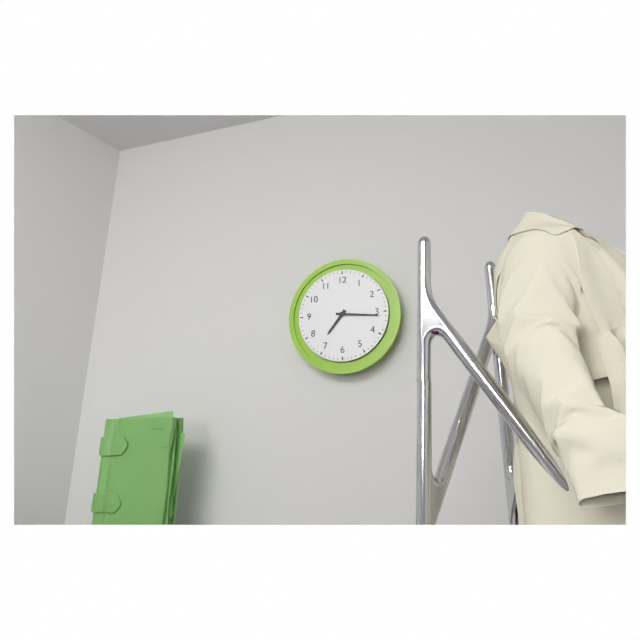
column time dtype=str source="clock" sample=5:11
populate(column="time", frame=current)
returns 7:16
